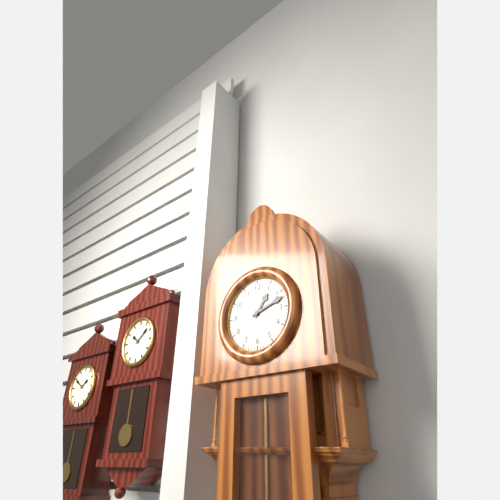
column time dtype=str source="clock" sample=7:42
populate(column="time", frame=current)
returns 1:12
